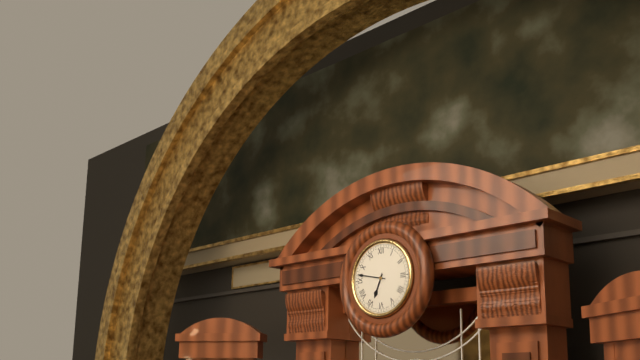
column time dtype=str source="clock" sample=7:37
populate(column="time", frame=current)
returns 6:47
